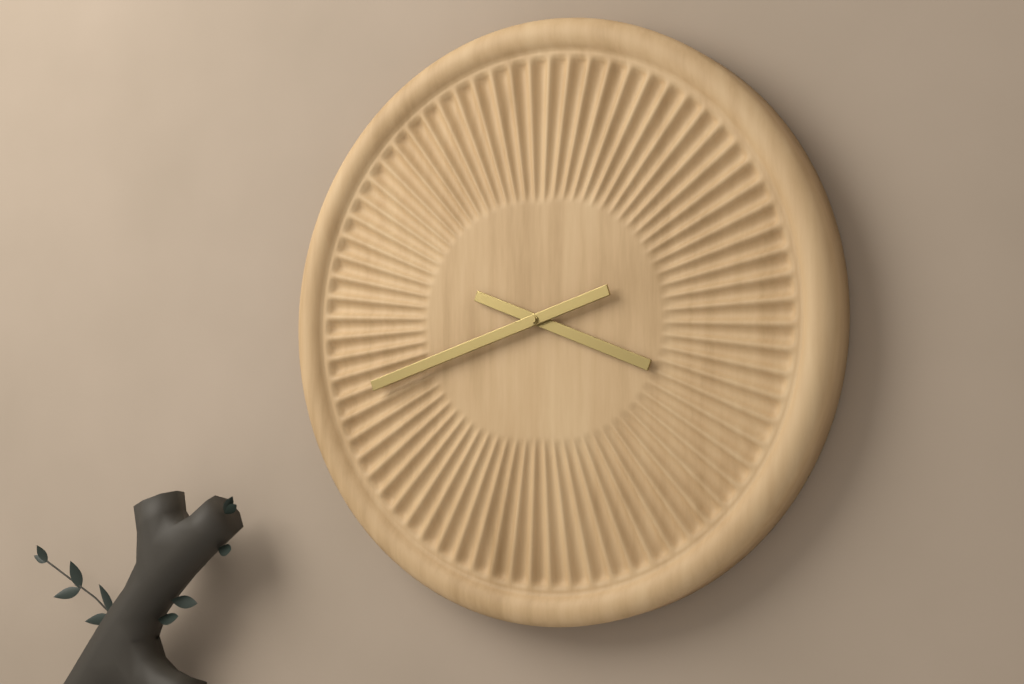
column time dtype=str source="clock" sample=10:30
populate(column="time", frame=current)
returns 3:42
